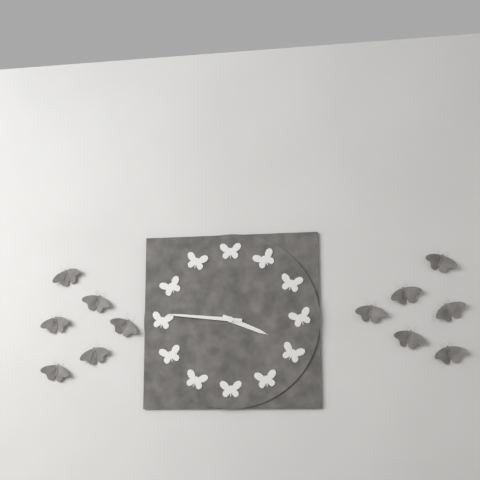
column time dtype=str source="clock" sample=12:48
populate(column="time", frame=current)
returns 3:46
